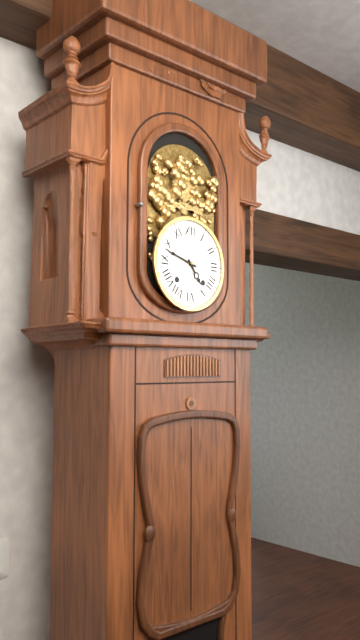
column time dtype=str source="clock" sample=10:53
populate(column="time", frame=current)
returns 4:48
